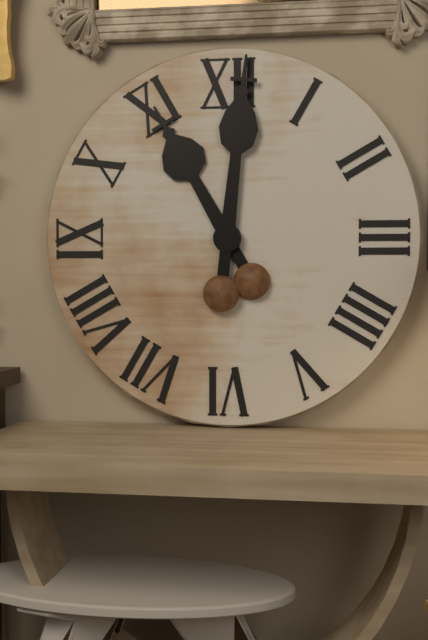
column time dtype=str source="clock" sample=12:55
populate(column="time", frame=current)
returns 11:01
